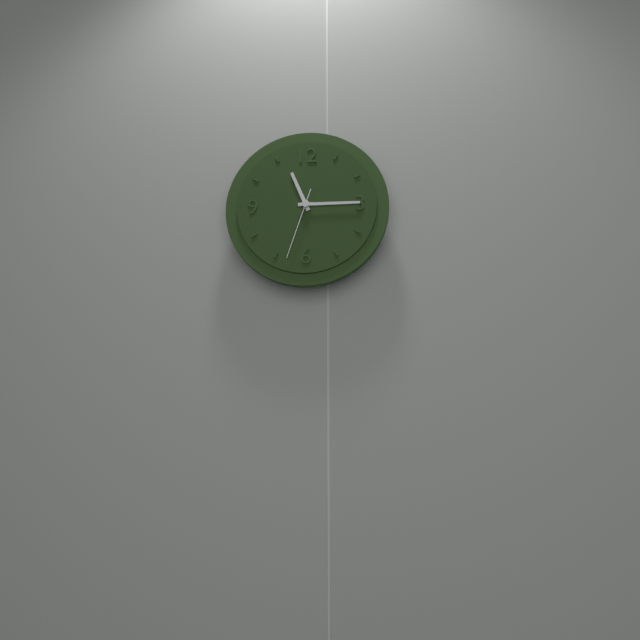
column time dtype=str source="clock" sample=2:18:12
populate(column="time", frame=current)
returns 11:15:33
